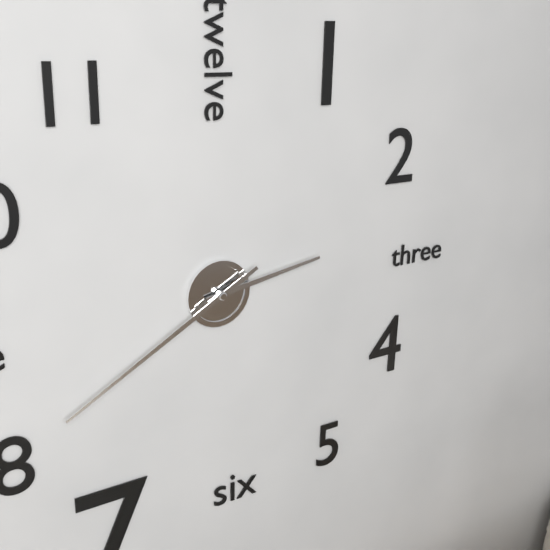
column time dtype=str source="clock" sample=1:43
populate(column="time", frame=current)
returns 2:40
